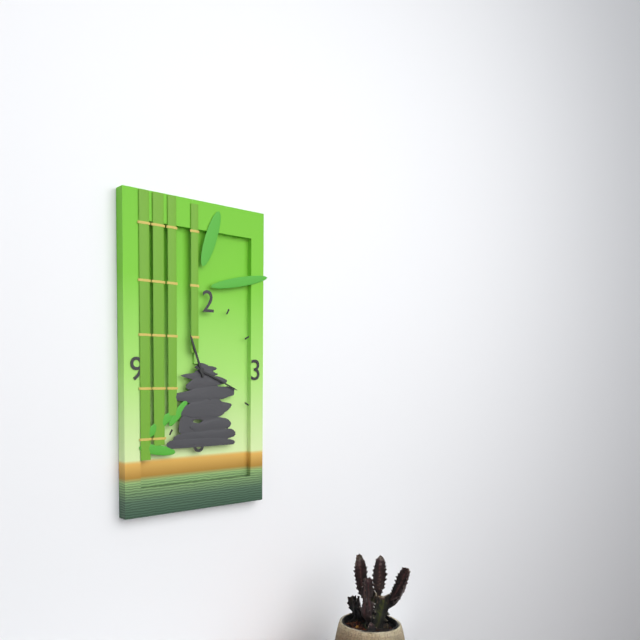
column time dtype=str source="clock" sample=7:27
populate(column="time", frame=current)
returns 11:19
